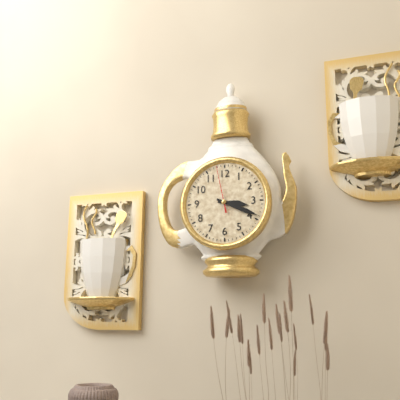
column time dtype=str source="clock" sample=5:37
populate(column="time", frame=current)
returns 3:19
